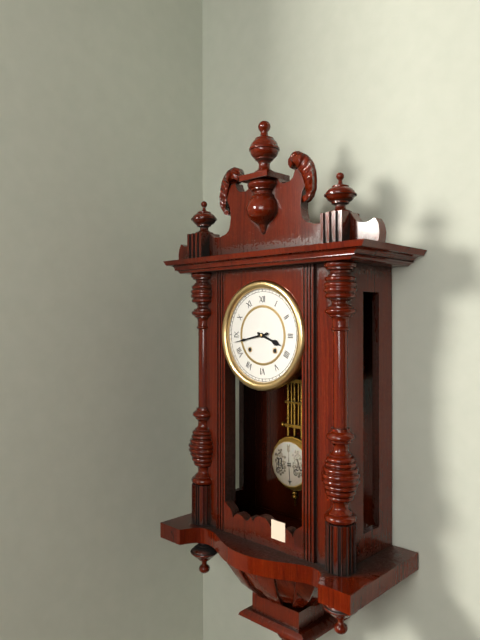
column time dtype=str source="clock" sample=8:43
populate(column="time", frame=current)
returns 3:43
